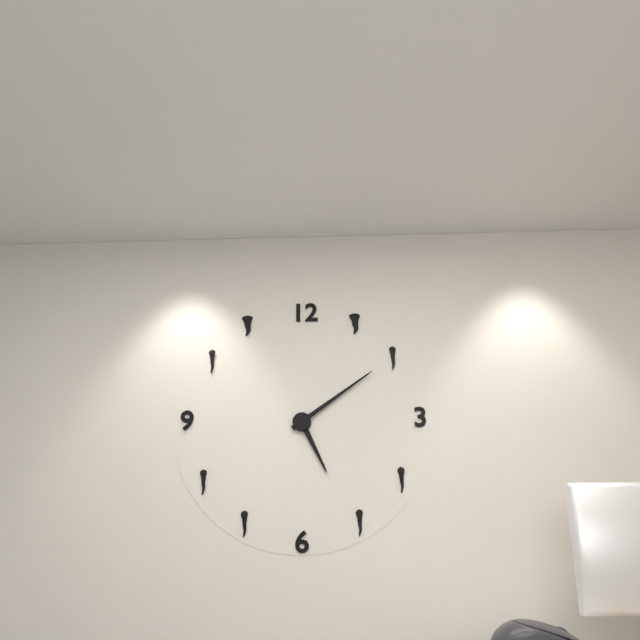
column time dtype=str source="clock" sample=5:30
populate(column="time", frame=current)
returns 5:09
